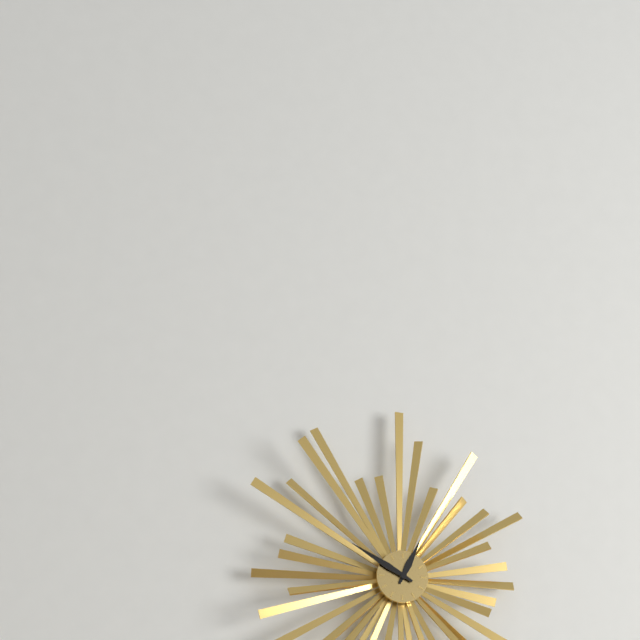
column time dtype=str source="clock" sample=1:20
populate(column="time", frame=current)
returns 12:50
